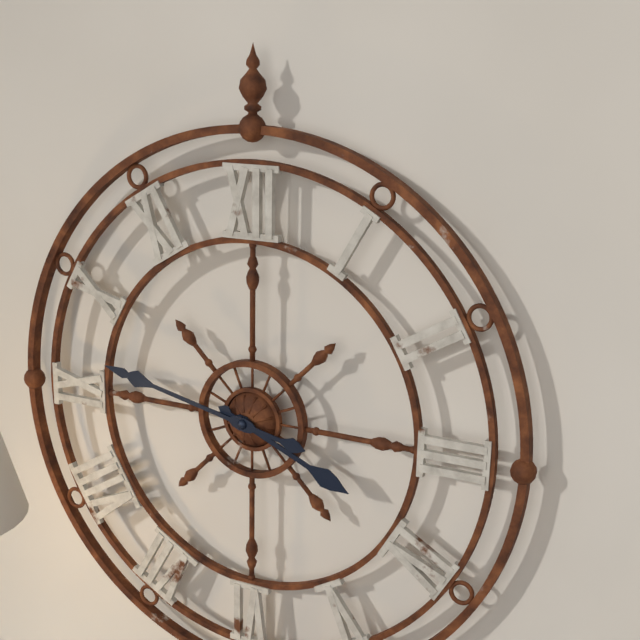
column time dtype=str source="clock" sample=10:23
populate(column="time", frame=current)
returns 3:47
